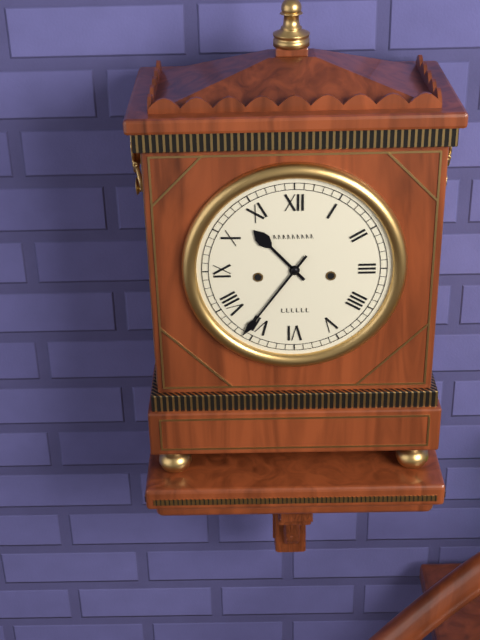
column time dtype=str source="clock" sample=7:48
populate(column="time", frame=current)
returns 10:36
